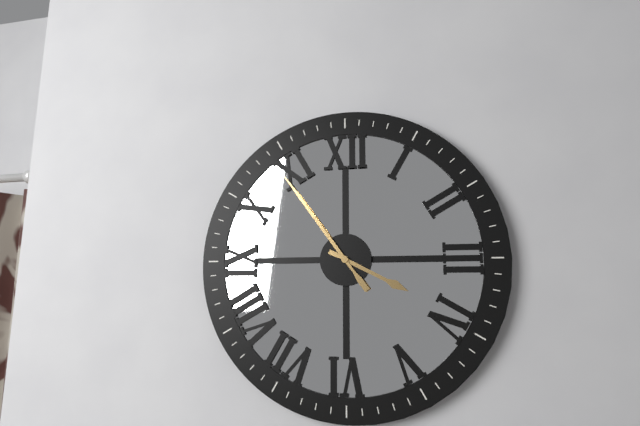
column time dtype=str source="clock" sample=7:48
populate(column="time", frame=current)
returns 3:54
